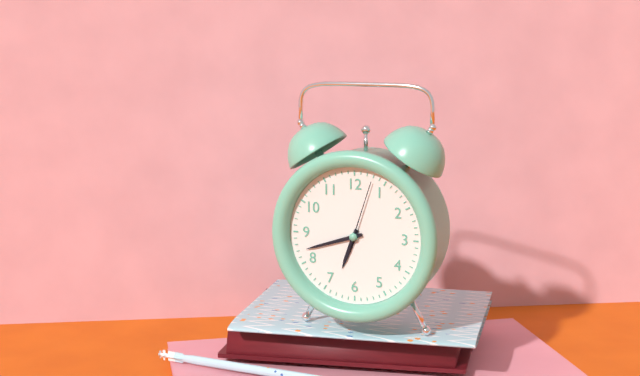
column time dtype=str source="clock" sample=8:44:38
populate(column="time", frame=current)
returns 6:42:03
